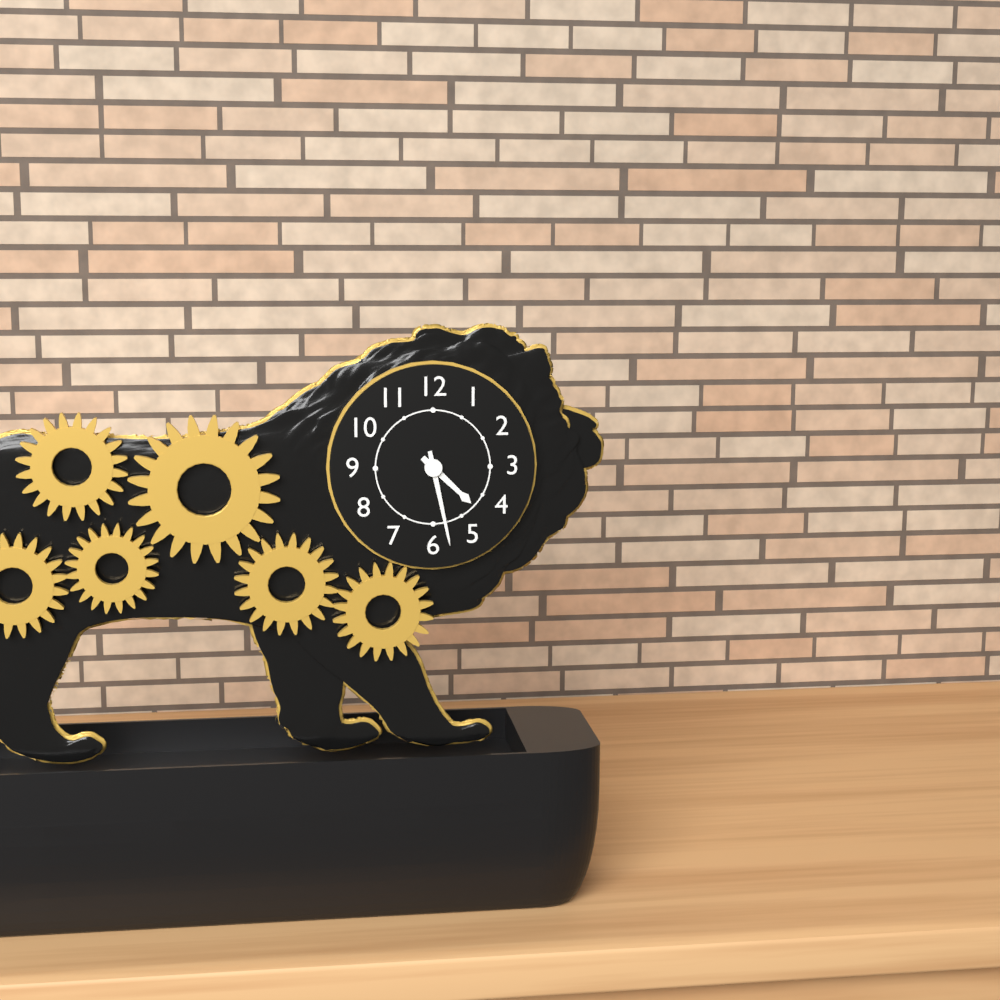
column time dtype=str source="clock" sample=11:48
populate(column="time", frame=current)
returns 4:28
